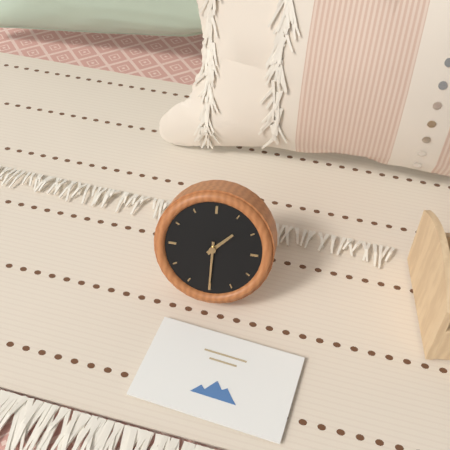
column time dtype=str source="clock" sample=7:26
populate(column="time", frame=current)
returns 1:30
